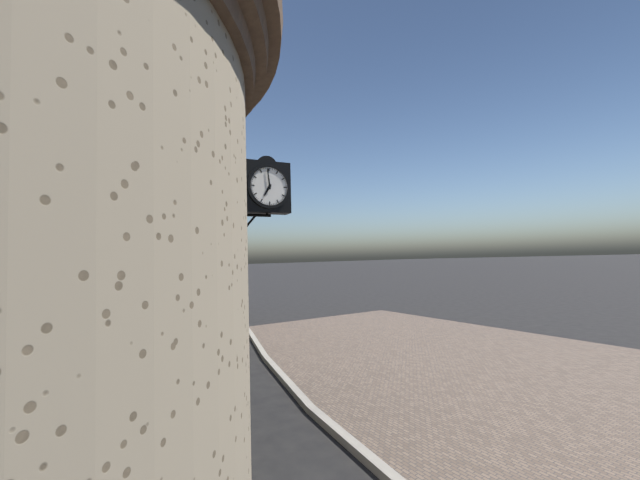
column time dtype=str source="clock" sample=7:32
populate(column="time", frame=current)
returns 6:59
